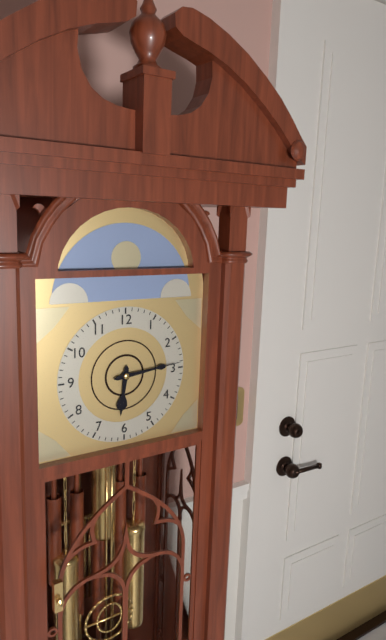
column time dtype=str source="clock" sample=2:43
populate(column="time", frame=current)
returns 6:14
